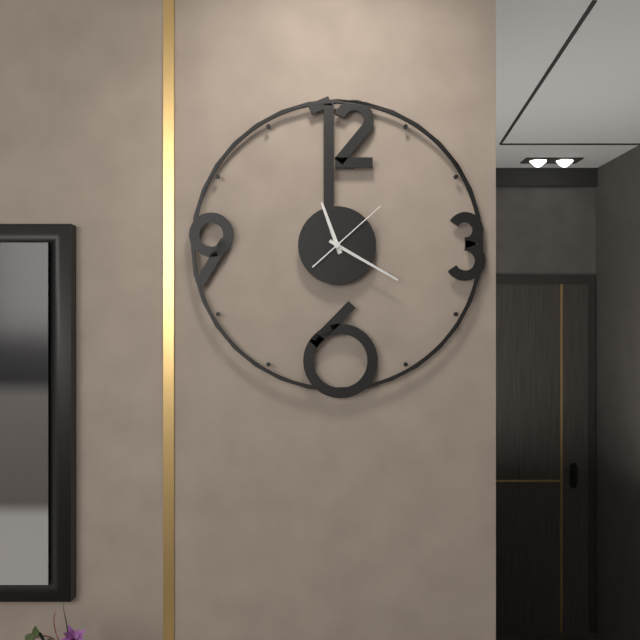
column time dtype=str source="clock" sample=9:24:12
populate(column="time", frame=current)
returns 11:20:08
